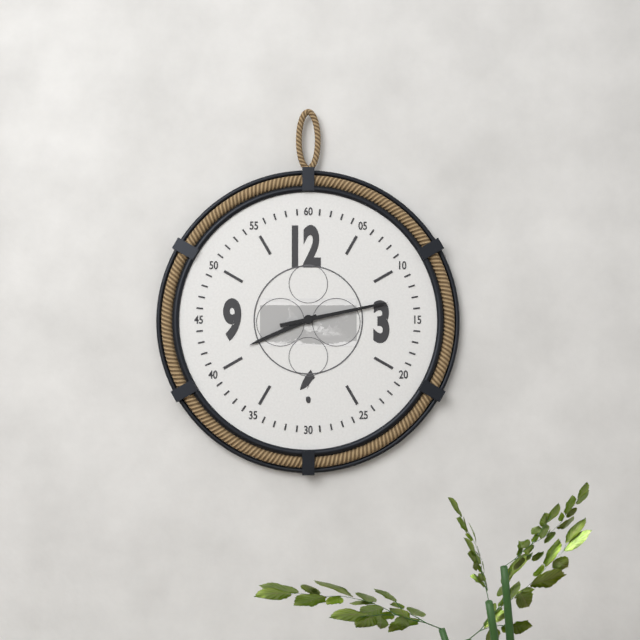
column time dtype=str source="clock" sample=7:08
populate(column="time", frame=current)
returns 8:13
